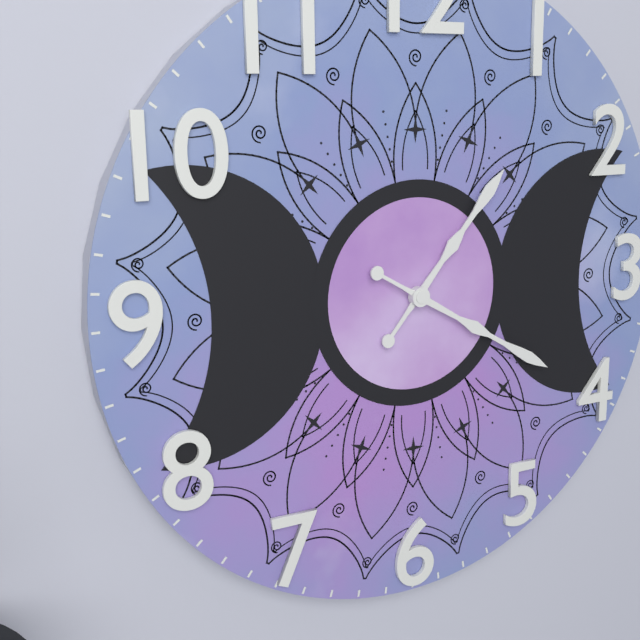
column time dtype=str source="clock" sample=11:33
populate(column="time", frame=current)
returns 1:20
